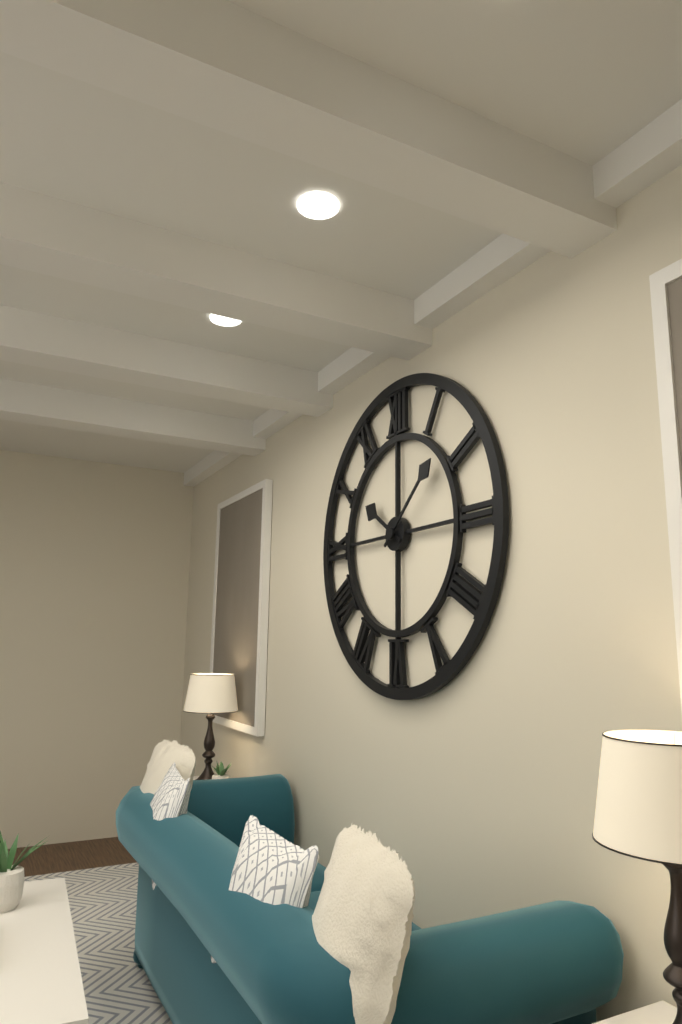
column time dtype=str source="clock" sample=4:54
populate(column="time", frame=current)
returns 10:08
